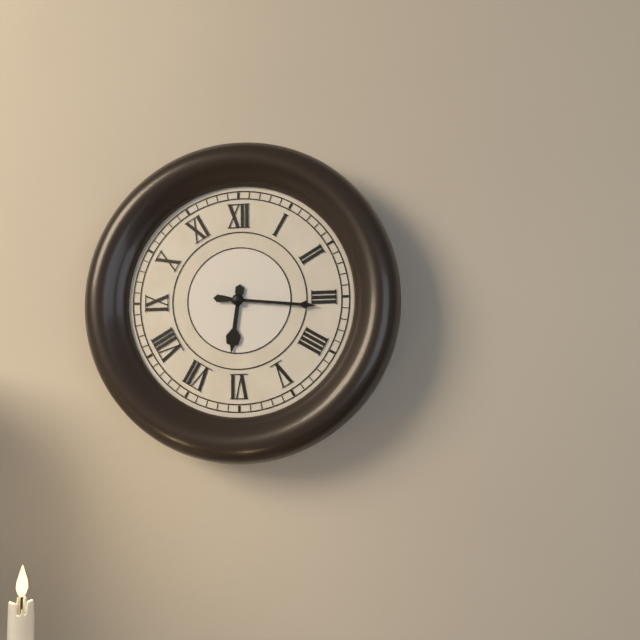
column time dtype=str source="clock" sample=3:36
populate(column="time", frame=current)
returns 6:16
